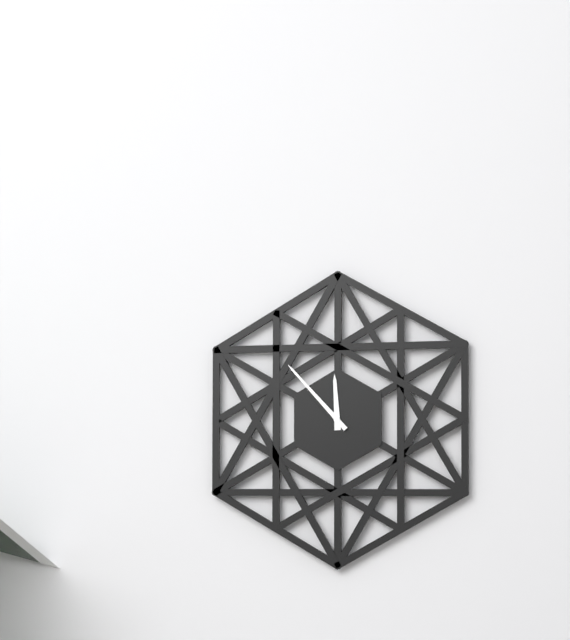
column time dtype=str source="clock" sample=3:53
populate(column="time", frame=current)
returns 11:53
